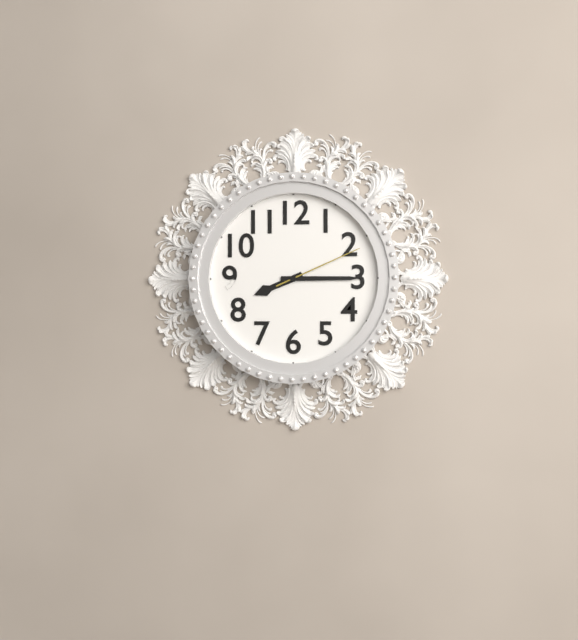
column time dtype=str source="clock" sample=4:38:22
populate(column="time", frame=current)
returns 8:15:11
